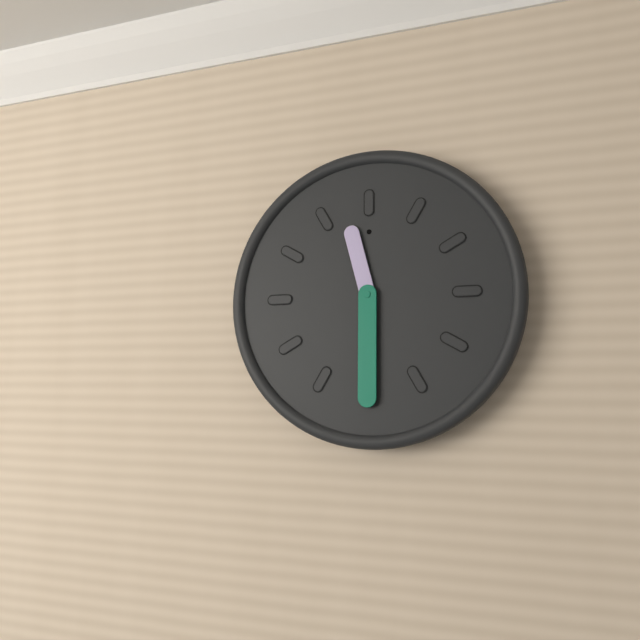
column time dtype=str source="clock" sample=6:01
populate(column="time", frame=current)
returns 11:30
